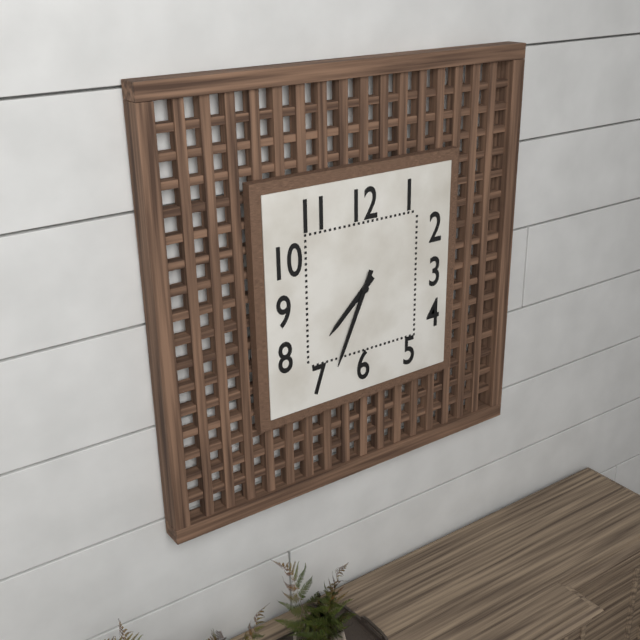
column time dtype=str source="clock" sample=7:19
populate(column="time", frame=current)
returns 7:34
